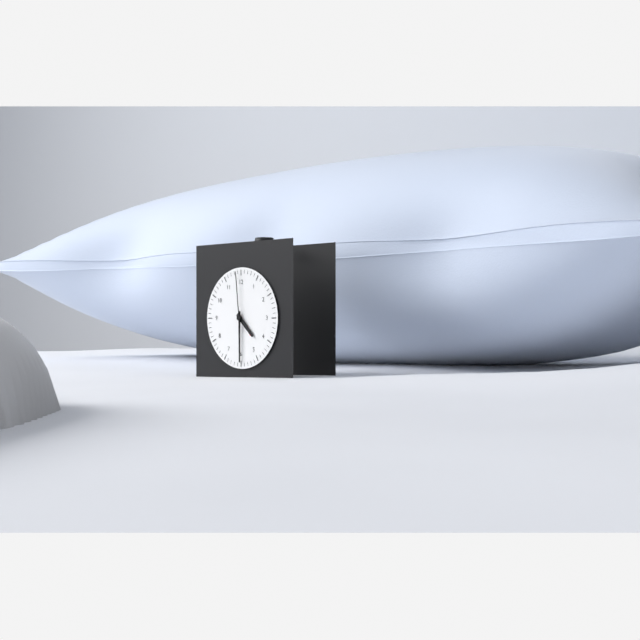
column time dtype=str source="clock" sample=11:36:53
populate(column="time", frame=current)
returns 4:30:59
